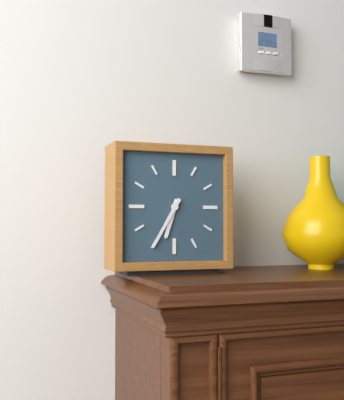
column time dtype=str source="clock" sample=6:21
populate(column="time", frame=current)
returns 6:35
